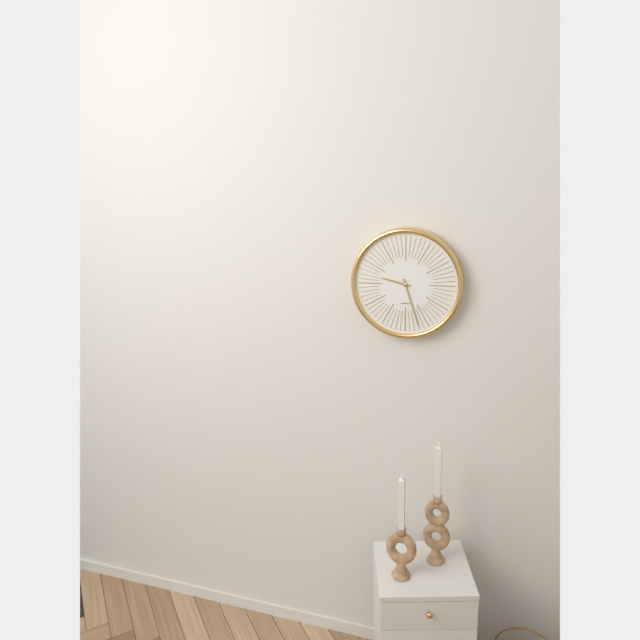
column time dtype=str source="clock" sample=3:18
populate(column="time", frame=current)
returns 9:27
